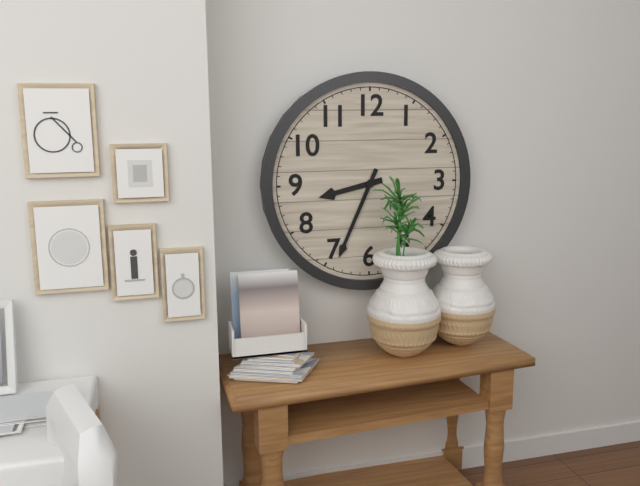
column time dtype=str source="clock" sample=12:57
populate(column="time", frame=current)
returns 8:34
